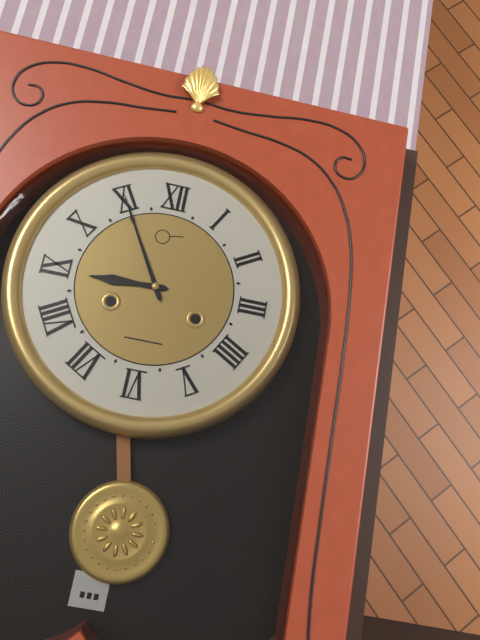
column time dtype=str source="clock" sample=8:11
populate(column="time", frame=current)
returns 8:55
